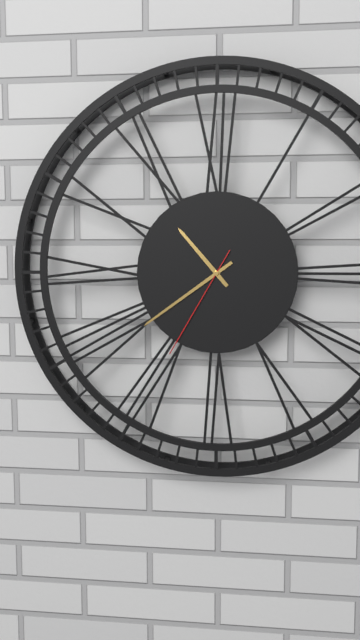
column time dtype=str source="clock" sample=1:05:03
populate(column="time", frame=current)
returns 10:39:35
